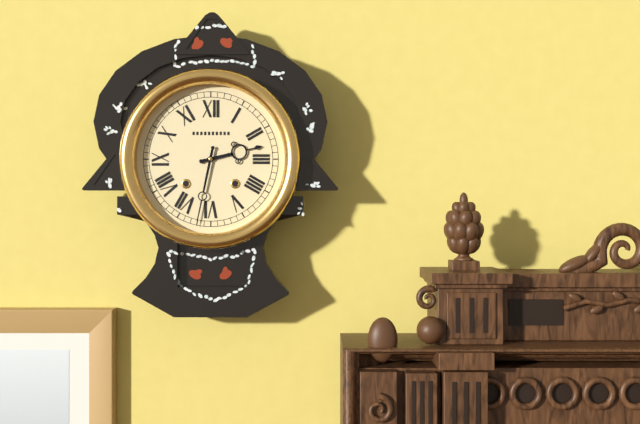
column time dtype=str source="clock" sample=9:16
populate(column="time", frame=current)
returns 2:32
